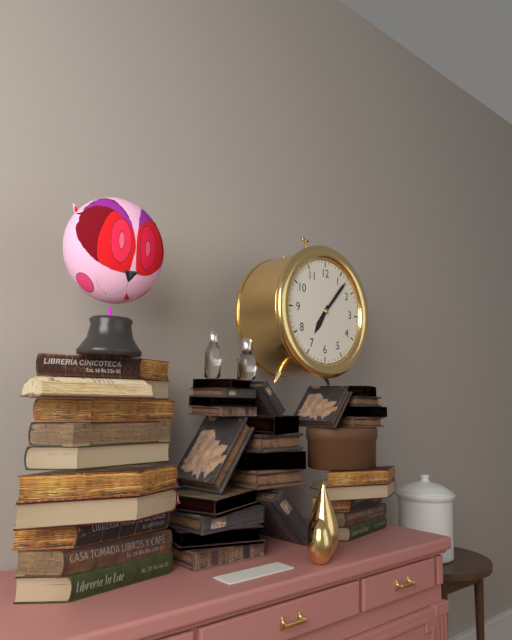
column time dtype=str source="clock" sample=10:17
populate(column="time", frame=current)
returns 7:07
